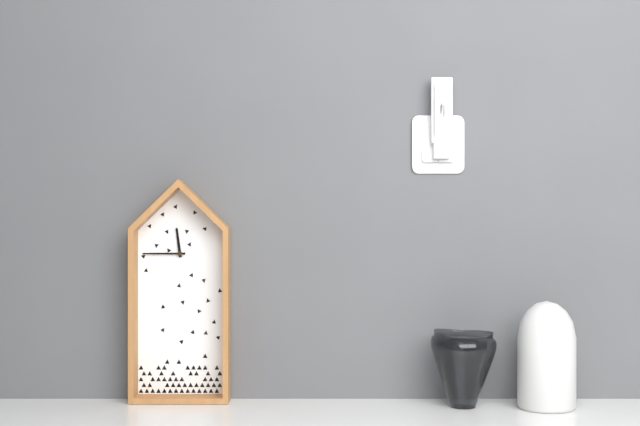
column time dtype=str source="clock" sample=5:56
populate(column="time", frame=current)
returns 11:45
